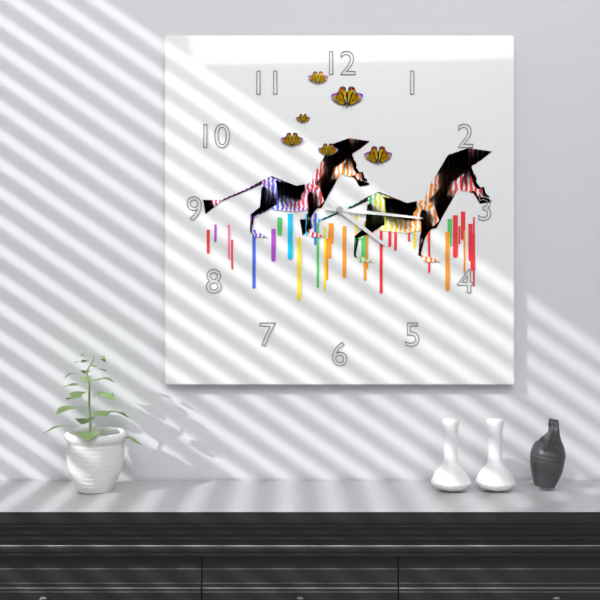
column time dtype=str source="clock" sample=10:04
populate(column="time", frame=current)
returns 4:16
